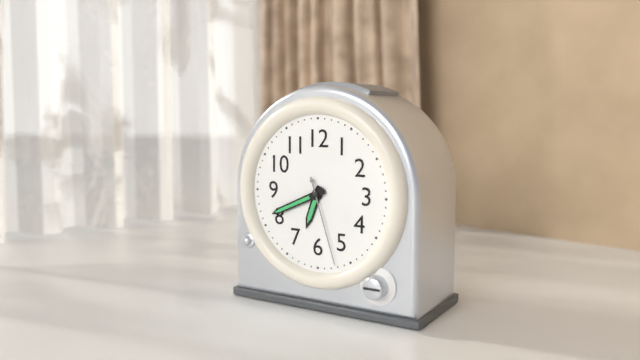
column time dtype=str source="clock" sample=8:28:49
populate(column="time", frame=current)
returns 6:41:27
